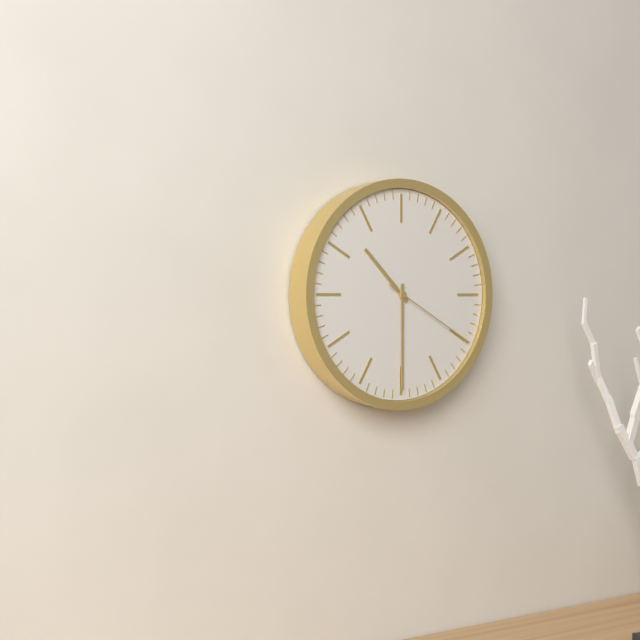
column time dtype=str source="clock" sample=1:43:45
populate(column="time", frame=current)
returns 10:30:20
